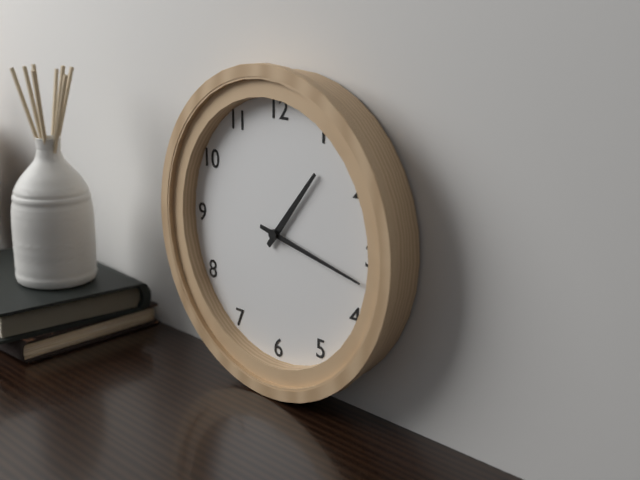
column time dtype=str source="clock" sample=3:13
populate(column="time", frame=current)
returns 1:17
